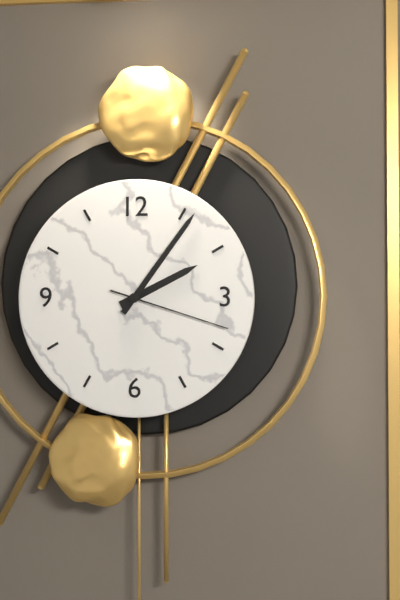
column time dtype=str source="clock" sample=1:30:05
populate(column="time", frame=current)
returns 2:06:18
